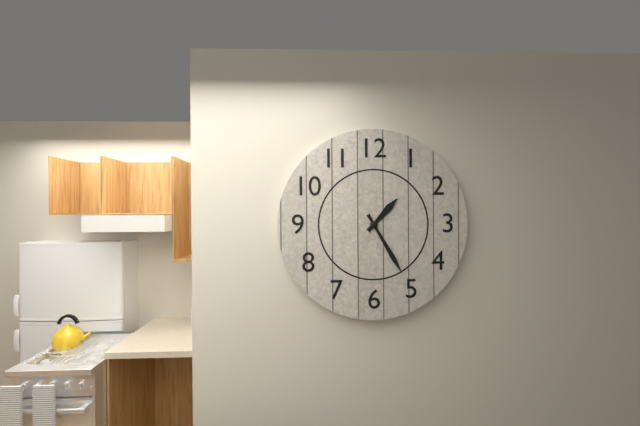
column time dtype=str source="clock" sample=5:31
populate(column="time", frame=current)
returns 1:25
